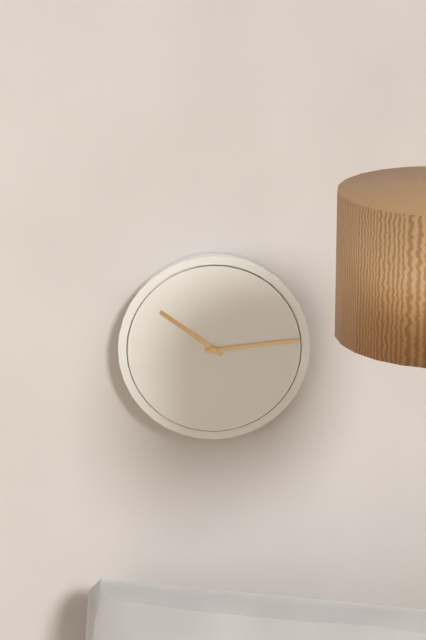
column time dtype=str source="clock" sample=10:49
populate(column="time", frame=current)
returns 10:14
